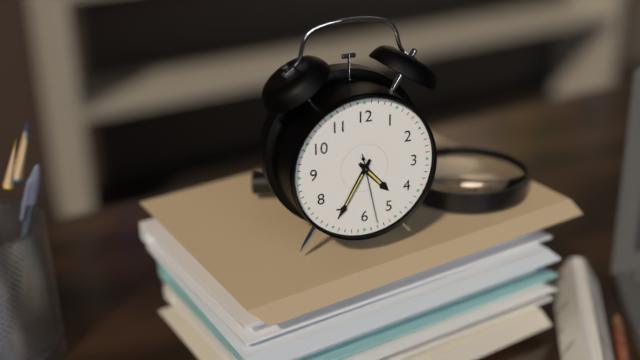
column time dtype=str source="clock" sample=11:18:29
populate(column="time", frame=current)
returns 4:35:28
